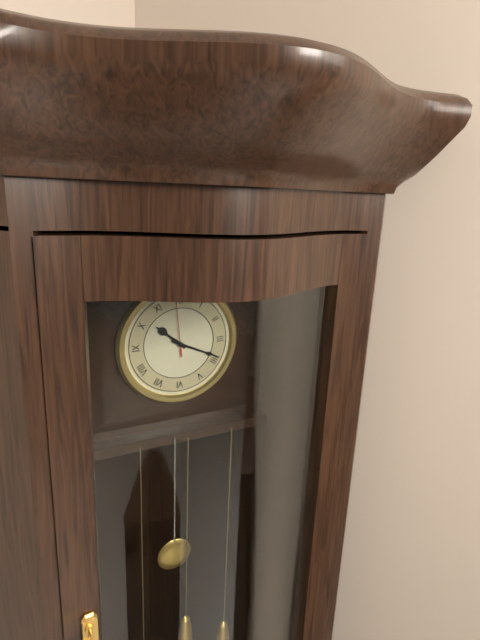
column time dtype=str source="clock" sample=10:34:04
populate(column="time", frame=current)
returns 10:19:59
